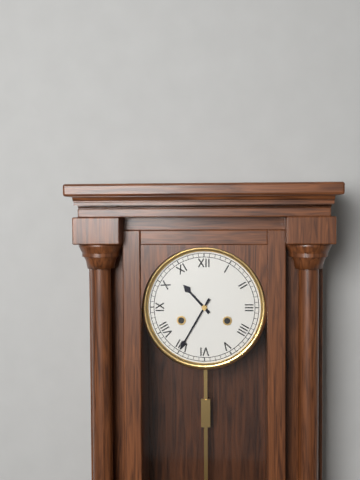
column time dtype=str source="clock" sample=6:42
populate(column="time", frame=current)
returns 10:35
